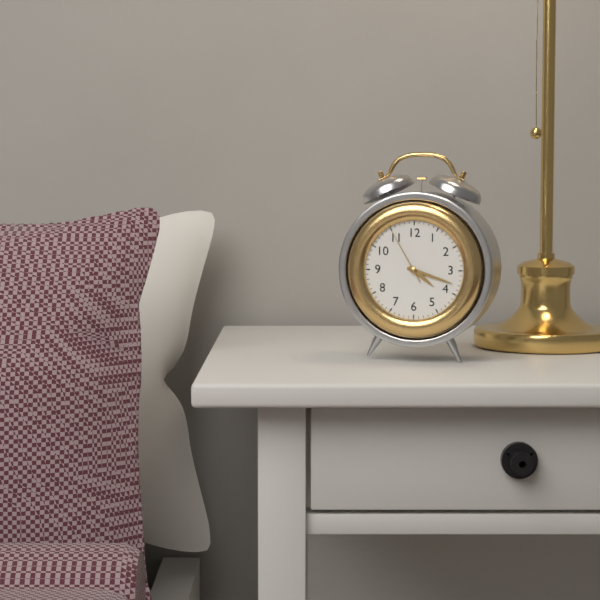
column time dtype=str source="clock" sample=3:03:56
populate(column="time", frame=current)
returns 4:18:55
